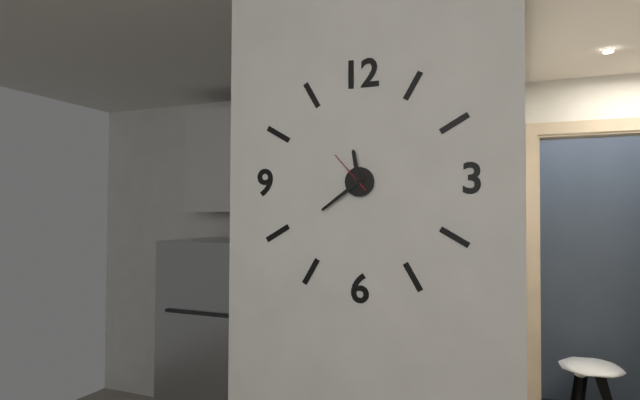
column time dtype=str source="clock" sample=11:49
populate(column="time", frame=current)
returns 11:39
